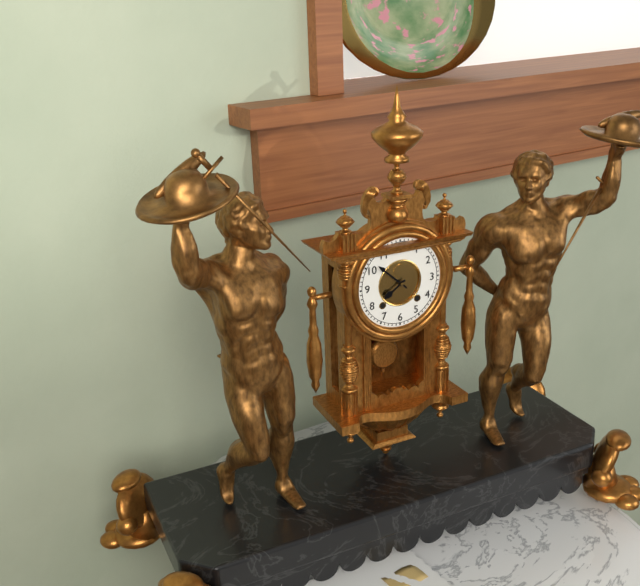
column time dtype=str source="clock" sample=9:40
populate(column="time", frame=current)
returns 7:52
